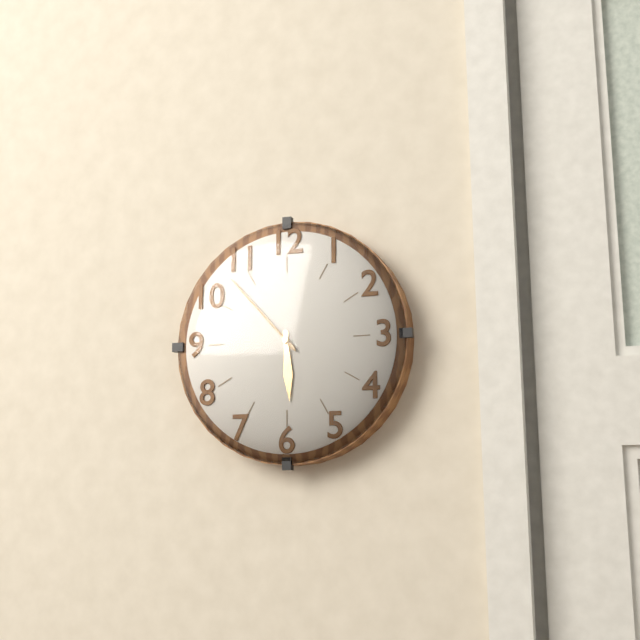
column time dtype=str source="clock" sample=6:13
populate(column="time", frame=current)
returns 5:53
